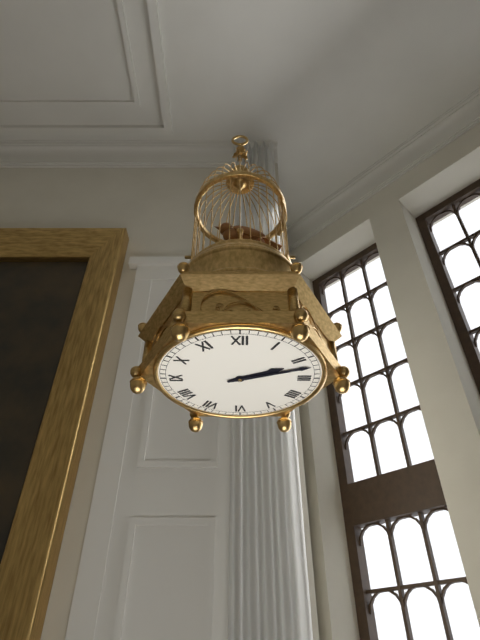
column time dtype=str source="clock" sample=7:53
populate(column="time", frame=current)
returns 2:12
